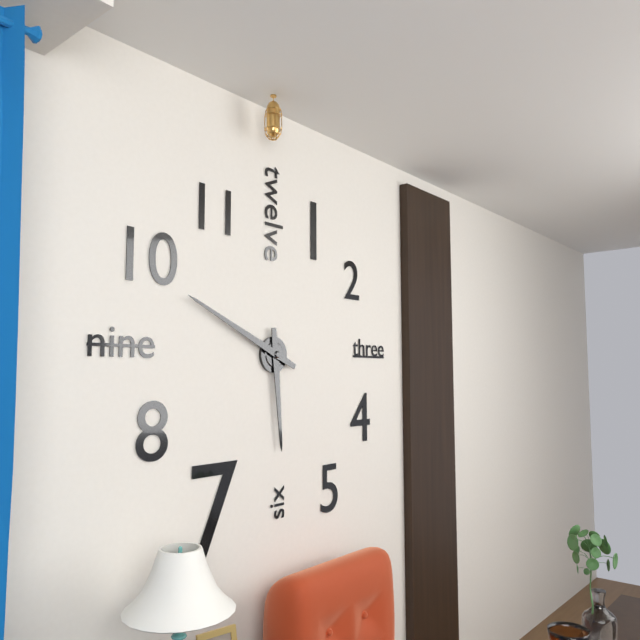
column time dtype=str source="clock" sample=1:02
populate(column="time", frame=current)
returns 5:49
